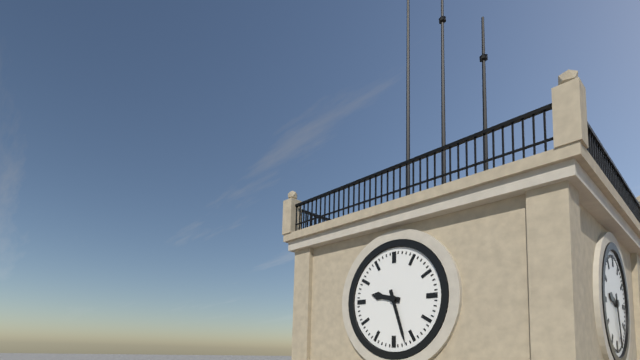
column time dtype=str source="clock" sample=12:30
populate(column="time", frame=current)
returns 9:27
